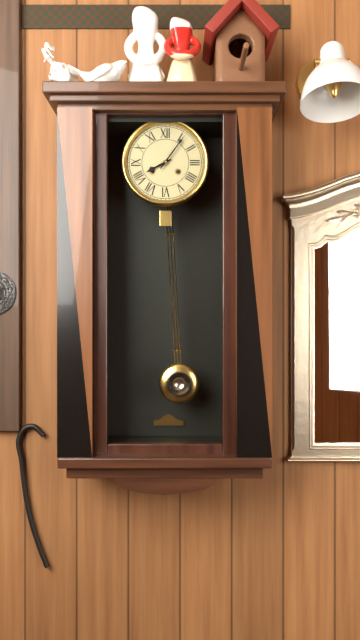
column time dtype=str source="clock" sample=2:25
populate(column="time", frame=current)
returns 8:06
